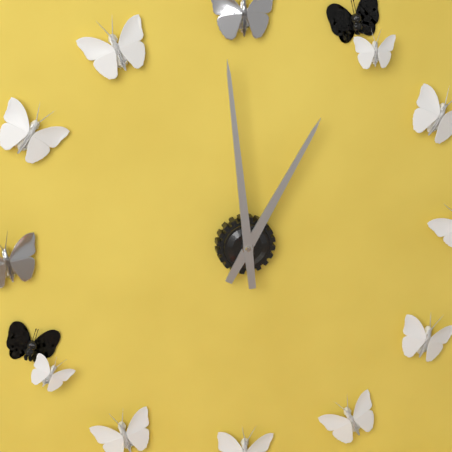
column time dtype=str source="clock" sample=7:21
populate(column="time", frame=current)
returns 12:59
